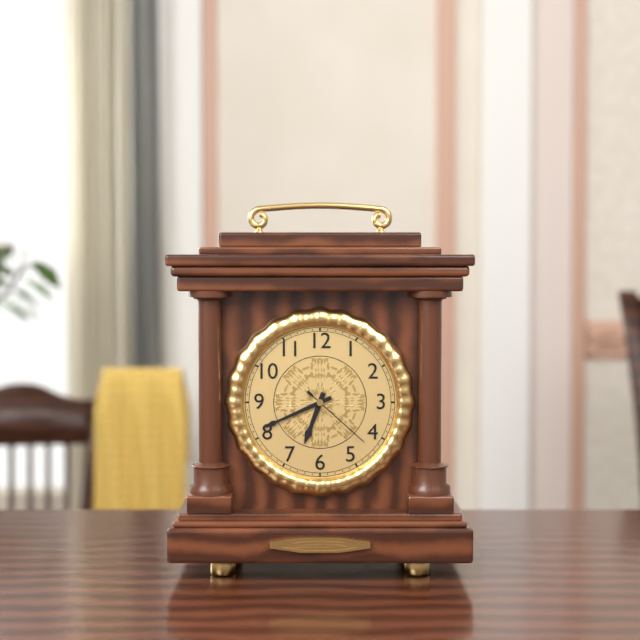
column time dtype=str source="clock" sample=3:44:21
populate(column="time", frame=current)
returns 6:41:22
